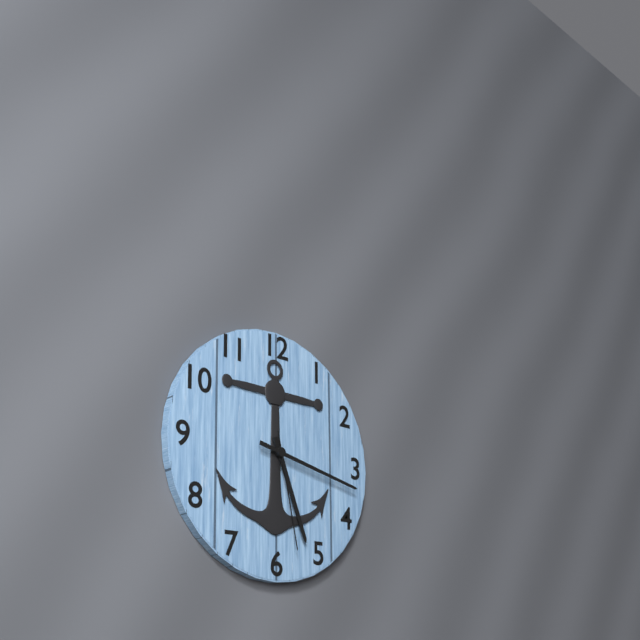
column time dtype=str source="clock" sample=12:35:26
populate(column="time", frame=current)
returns 5:17:28
